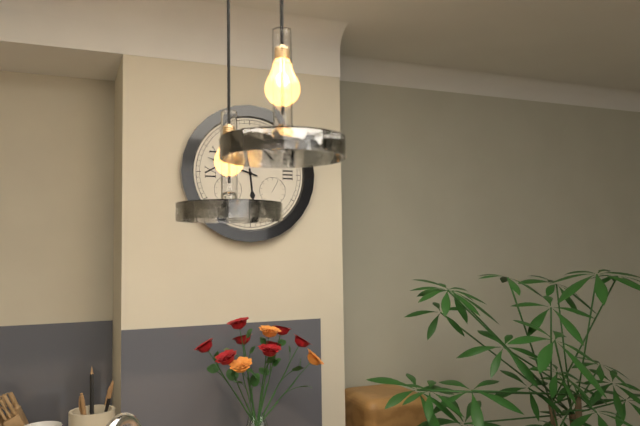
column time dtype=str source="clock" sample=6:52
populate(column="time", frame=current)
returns 5:48
